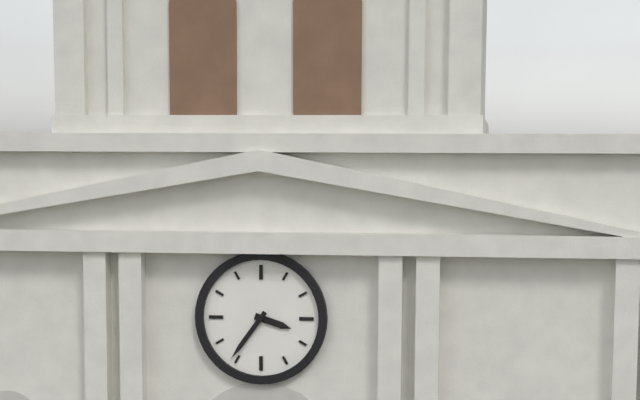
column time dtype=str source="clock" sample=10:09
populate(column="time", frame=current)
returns 3:36
